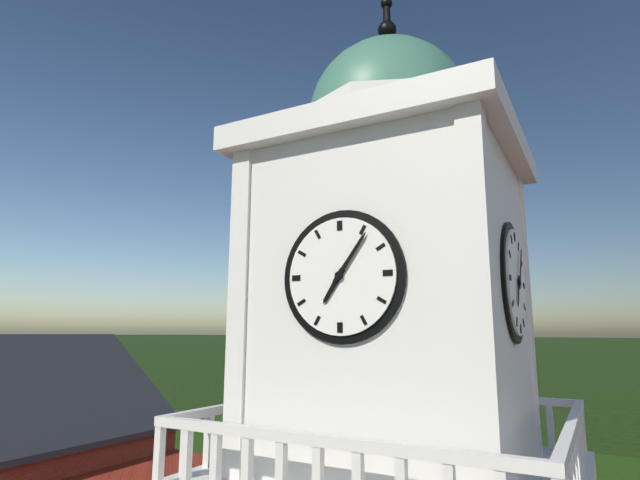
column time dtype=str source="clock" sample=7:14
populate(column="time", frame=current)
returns 7:06
